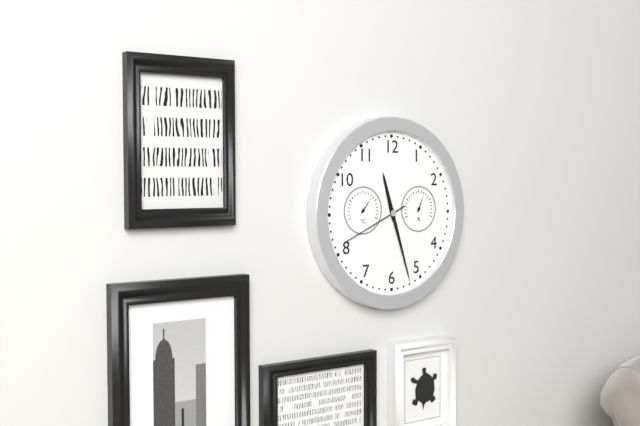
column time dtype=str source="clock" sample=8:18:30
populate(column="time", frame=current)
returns 11:27:41
